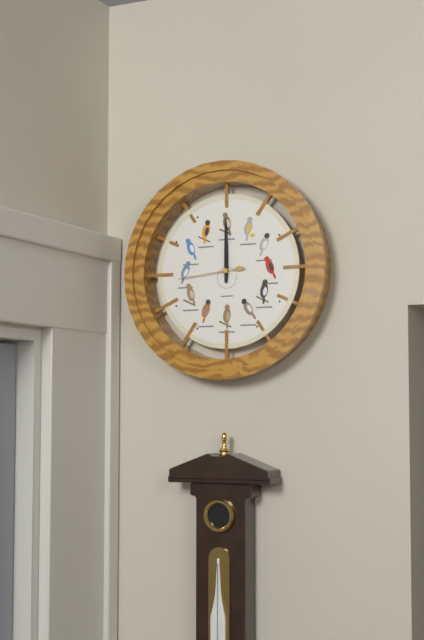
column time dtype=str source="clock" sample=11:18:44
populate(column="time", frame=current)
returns 12:00:44
